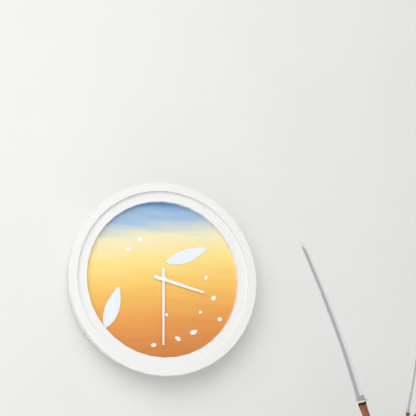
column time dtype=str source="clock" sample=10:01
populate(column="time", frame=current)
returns 3:30
